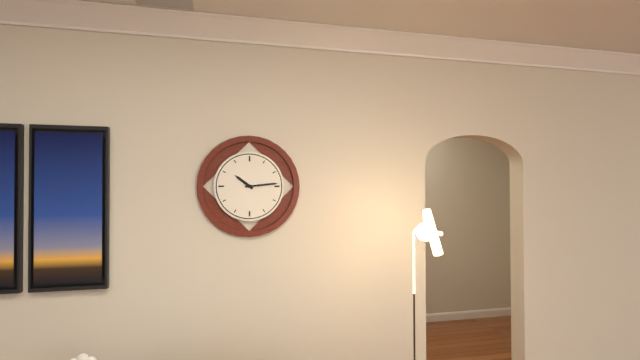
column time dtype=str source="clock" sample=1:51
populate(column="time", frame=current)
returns 10:14
